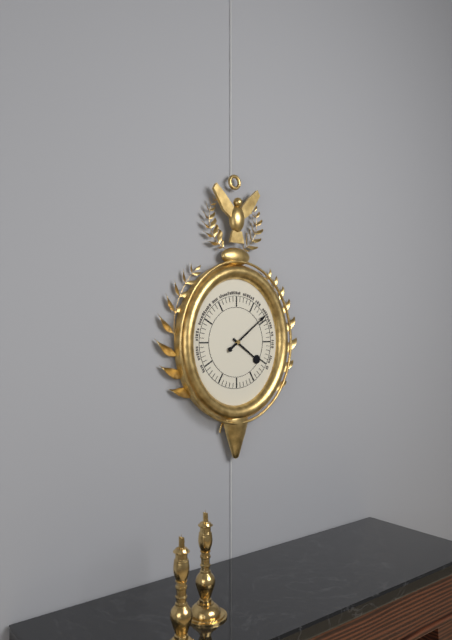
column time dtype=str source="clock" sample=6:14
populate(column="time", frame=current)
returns 4:09
